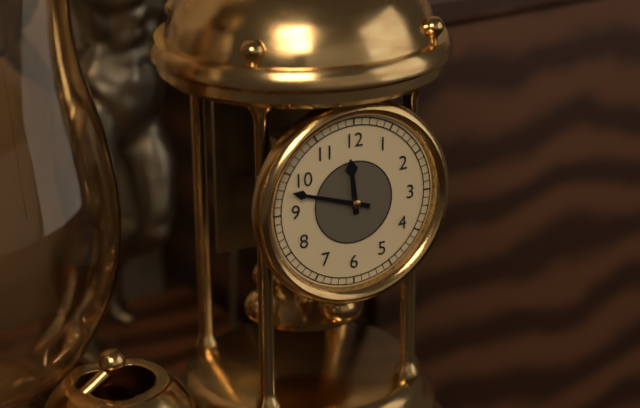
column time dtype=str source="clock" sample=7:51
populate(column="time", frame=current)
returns 11:48
